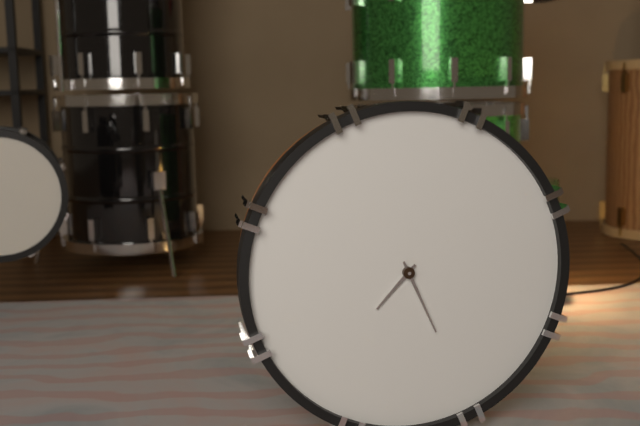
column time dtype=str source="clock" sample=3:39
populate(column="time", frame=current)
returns 7:26
